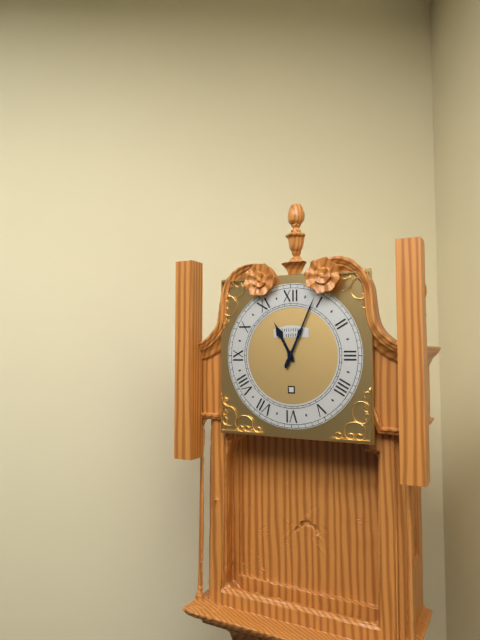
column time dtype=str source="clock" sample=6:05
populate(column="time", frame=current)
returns 11:04
